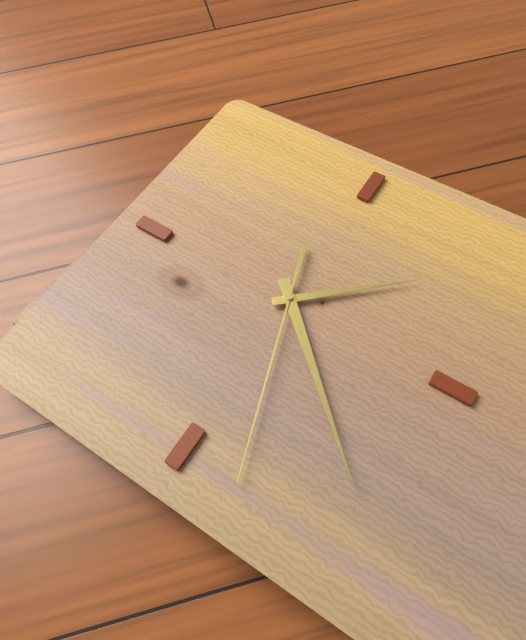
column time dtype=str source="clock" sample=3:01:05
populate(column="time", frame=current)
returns 4:37:42
